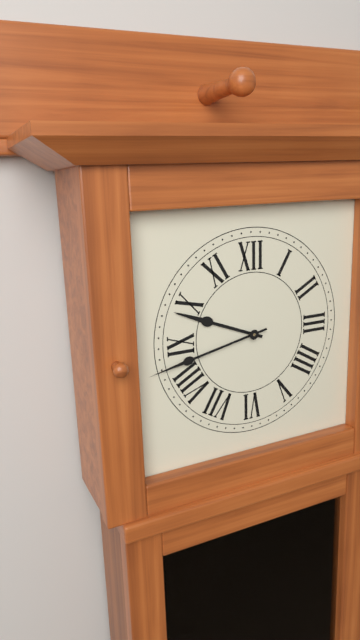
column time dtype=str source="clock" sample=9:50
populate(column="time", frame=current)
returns 9:43
